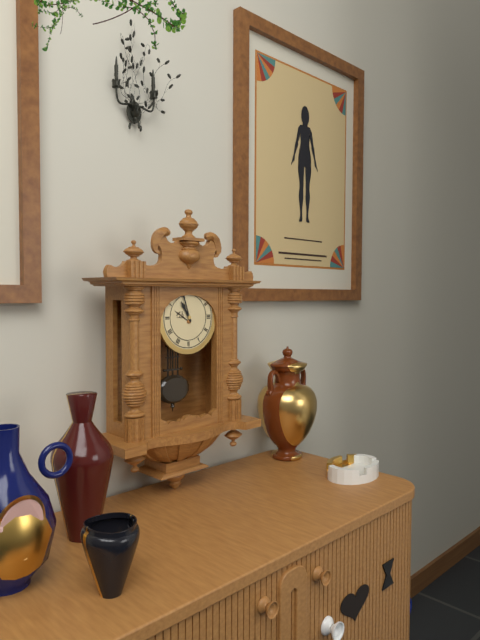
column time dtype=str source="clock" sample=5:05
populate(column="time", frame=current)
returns 10:57
